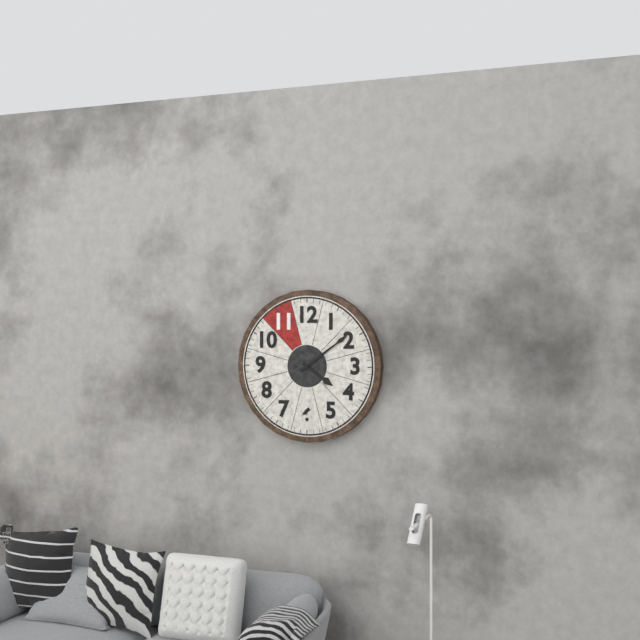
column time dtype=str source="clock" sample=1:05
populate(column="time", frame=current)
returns 4:09
